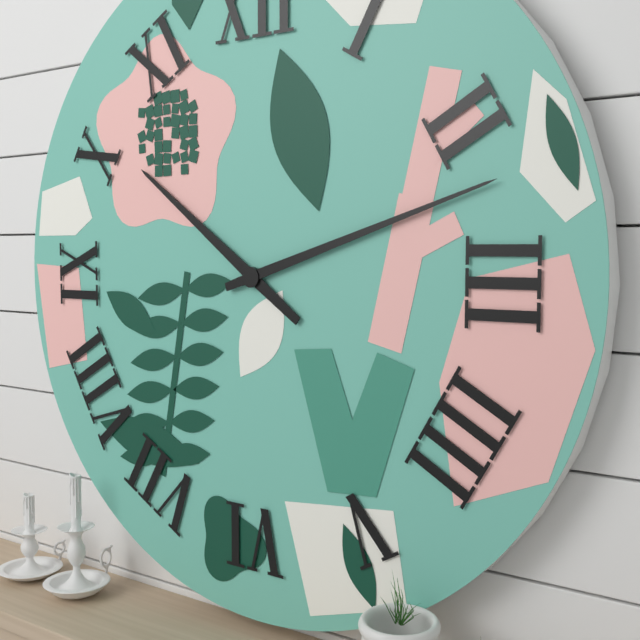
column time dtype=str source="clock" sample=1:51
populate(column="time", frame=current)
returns 10:12
